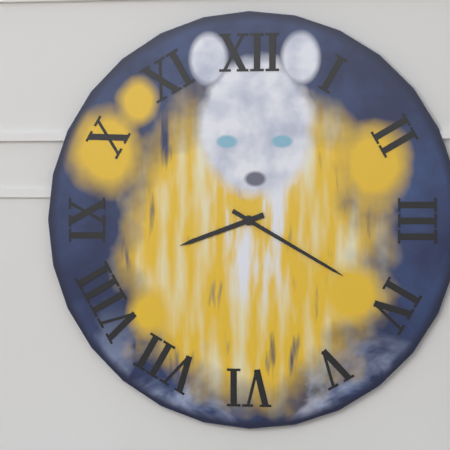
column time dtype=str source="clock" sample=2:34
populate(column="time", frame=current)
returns 8:20
